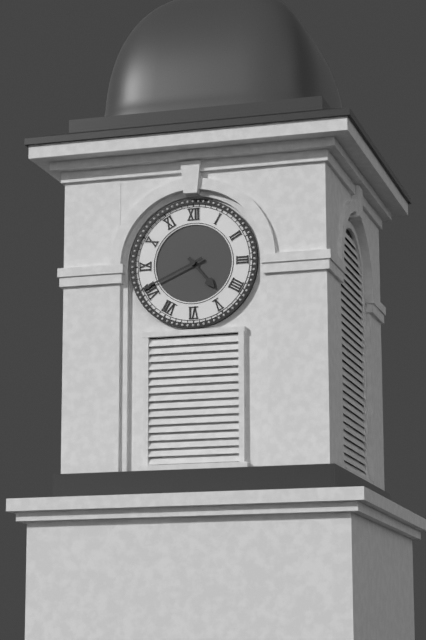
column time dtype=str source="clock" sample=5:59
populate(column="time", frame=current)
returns 4:41
